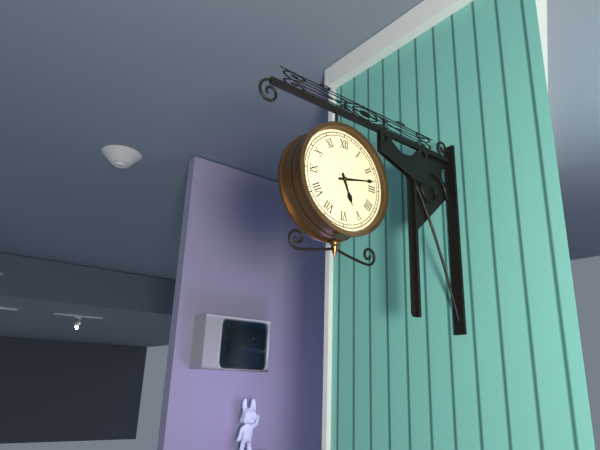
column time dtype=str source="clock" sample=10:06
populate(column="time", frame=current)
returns 5:13
